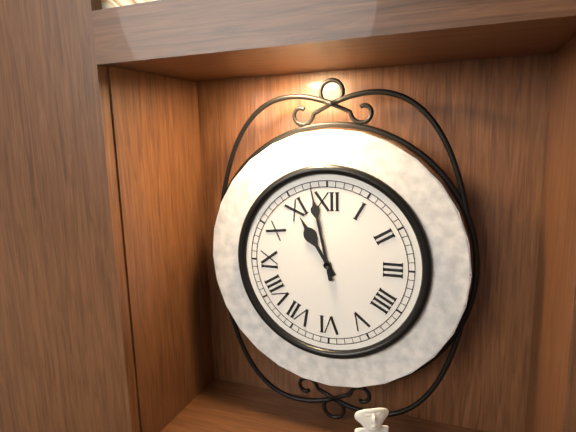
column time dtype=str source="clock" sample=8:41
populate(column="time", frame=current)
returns 10:58
